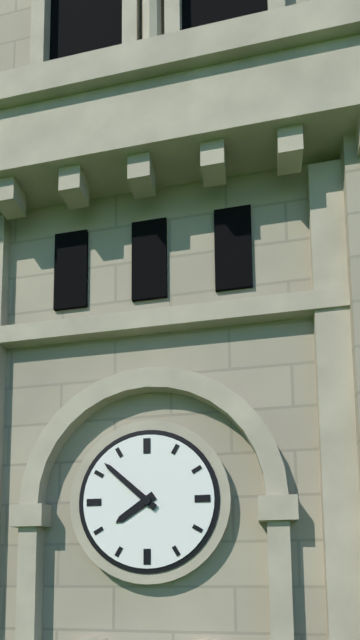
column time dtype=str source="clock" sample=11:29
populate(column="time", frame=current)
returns 7:52
